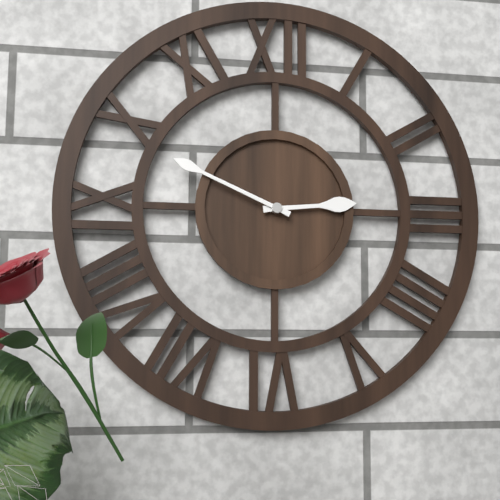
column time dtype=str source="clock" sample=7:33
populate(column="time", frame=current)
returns 2:49
